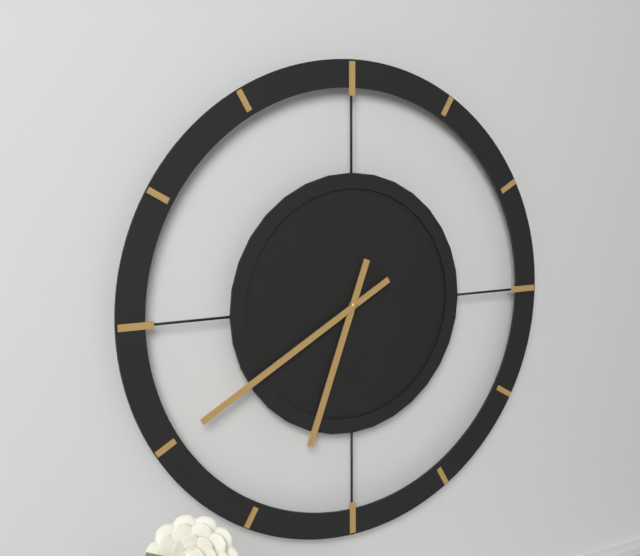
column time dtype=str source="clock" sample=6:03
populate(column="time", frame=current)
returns 6:40
